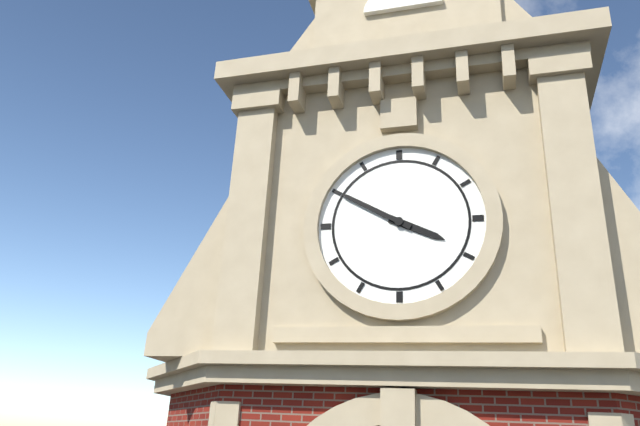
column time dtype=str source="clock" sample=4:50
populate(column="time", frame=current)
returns 3:50
